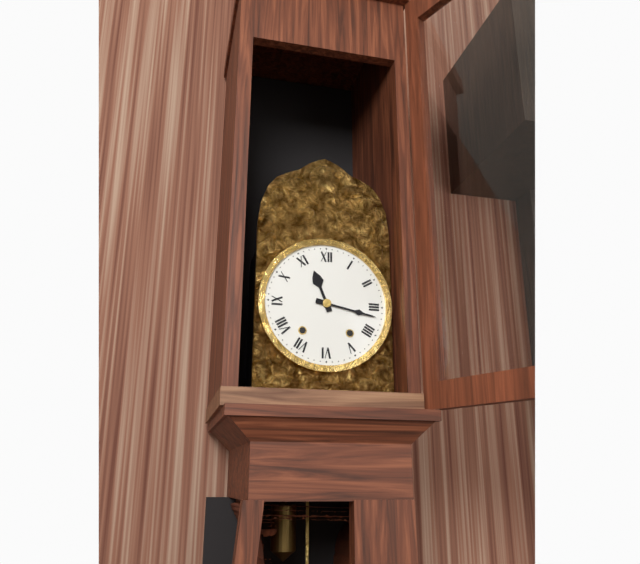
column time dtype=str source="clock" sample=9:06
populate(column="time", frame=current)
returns 11:17
